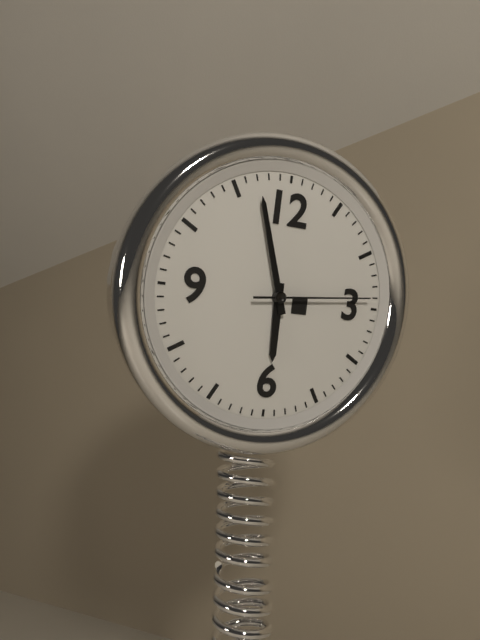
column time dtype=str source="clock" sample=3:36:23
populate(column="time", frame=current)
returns 5:57:14
